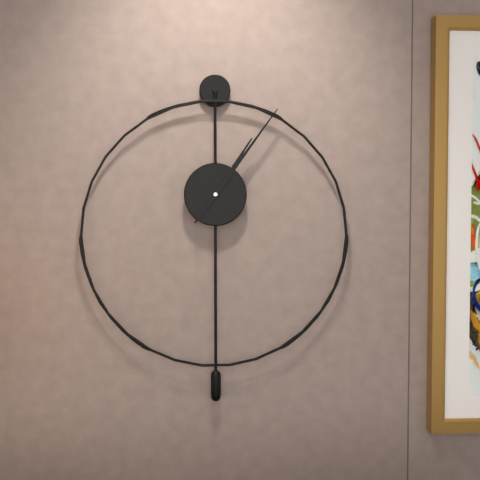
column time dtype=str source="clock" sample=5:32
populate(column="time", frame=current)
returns 1:06
